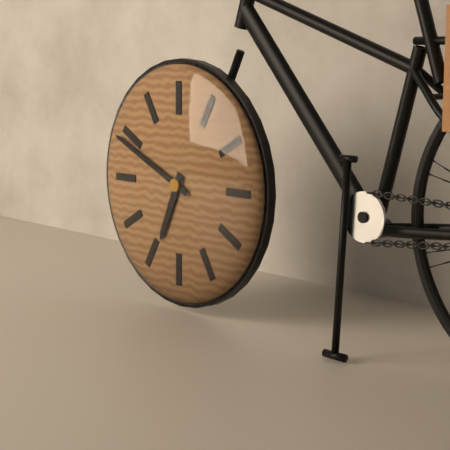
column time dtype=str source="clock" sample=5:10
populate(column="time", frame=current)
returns 6:49
